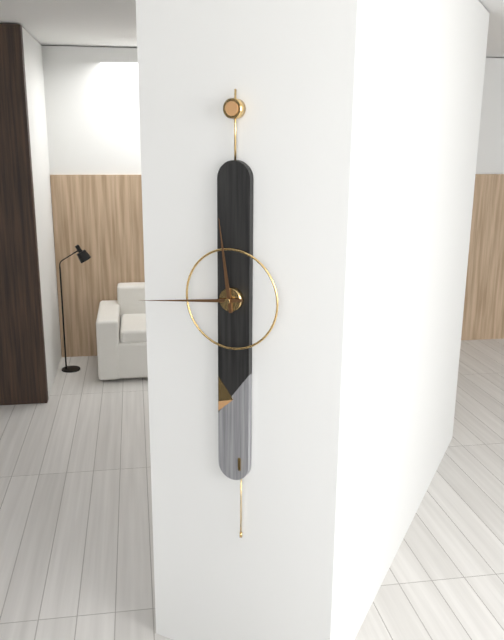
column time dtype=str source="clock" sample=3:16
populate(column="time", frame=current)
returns 11:44
